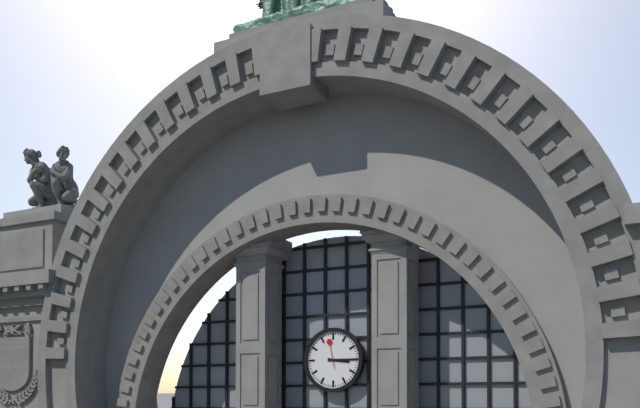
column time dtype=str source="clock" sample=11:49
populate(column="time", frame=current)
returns 3:15
